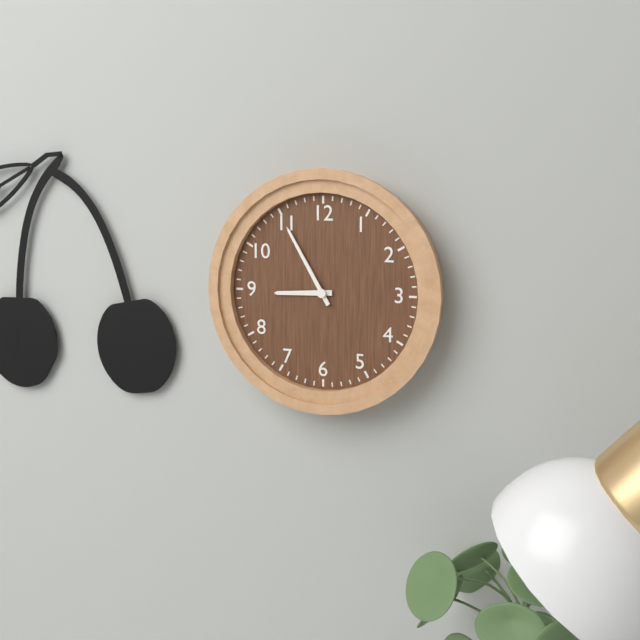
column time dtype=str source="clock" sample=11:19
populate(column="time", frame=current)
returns 8:55
